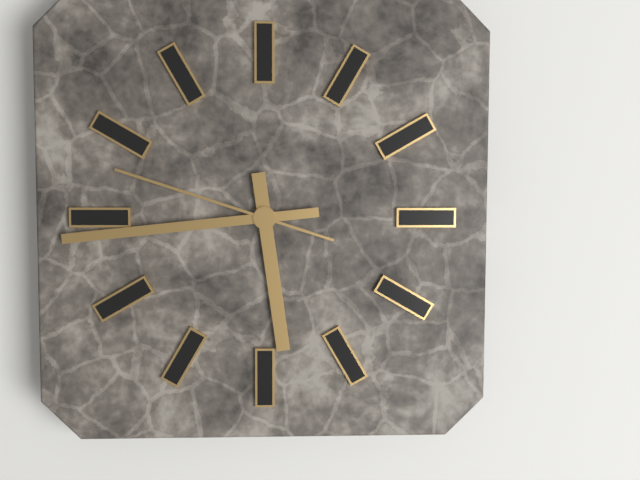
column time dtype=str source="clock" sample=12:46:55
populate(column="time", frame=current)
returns 5:44:48
